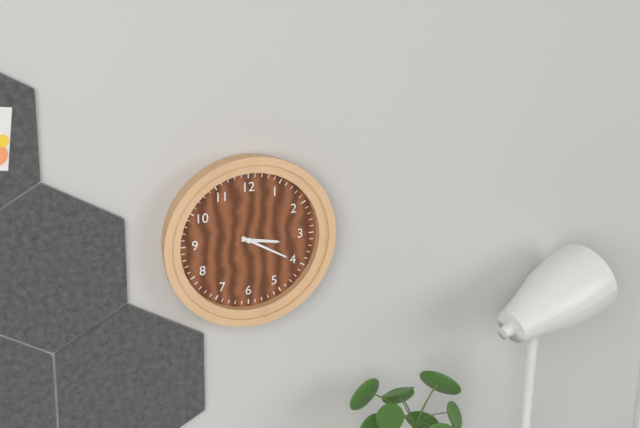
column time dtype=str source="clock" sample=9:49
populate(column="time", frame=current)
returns 3:20
